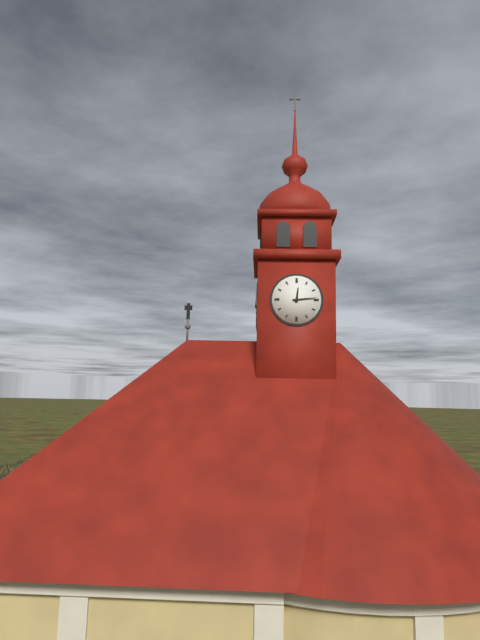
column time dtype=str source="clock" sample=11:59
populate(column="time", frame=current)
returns 12:14
